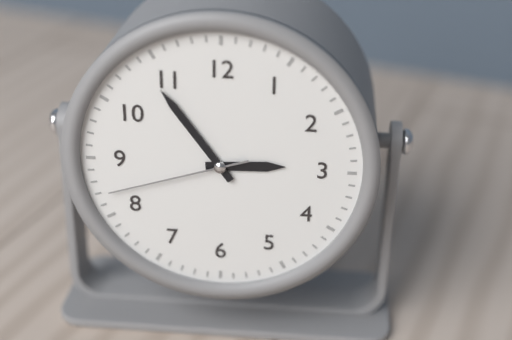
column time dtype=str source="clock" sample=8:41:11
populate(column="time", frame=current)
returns 2:54:42
